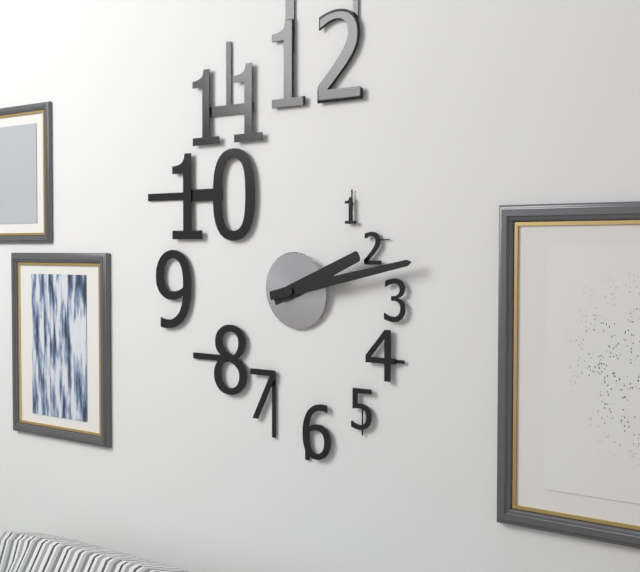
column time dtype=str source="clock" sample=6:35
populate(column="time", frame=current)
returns 2:13
